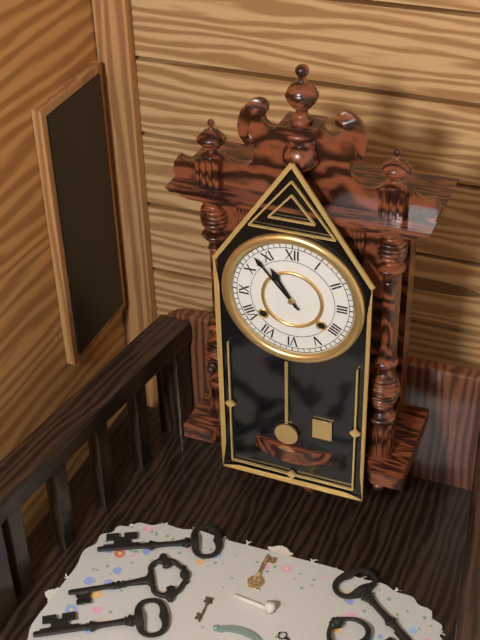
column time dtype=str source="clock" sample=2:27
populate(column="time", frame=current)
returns 10:53
